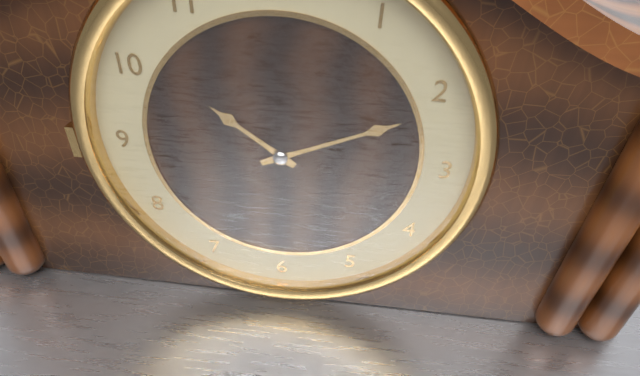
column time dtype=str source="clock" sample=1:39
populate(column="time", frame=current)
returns 10:11
